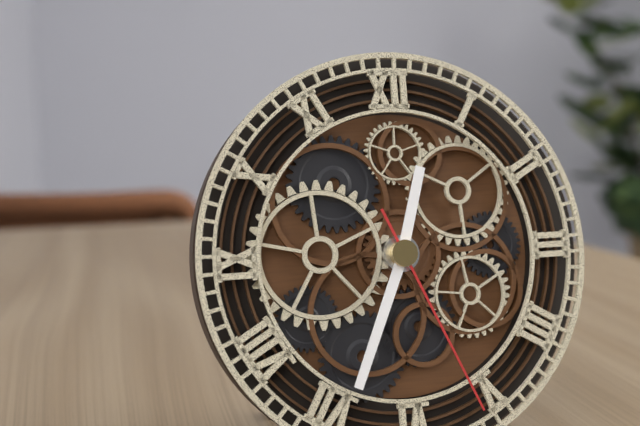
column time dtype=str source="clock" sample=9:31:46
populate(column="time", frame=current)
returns 12:34:26
